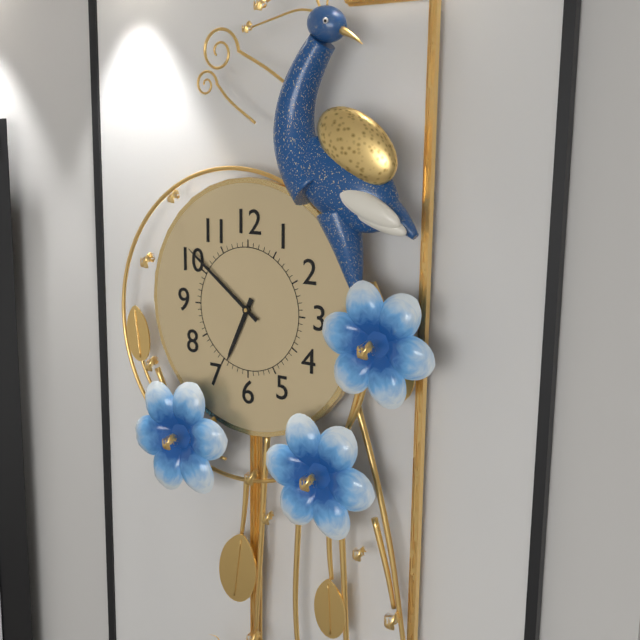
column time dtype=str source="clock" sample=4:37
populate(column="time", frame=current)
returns 6:51
